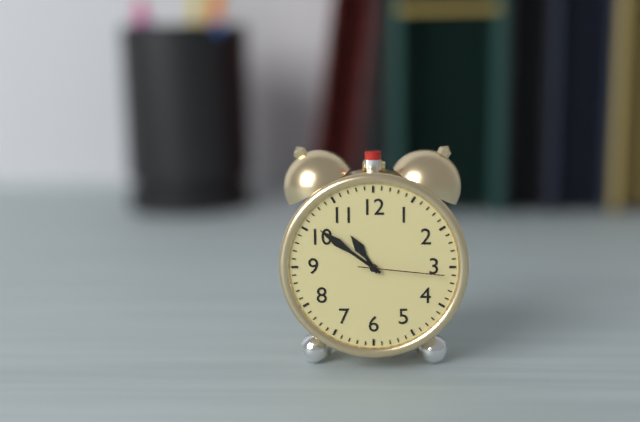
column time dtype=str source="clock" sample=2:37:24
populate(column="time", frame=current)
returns 10:51:16
